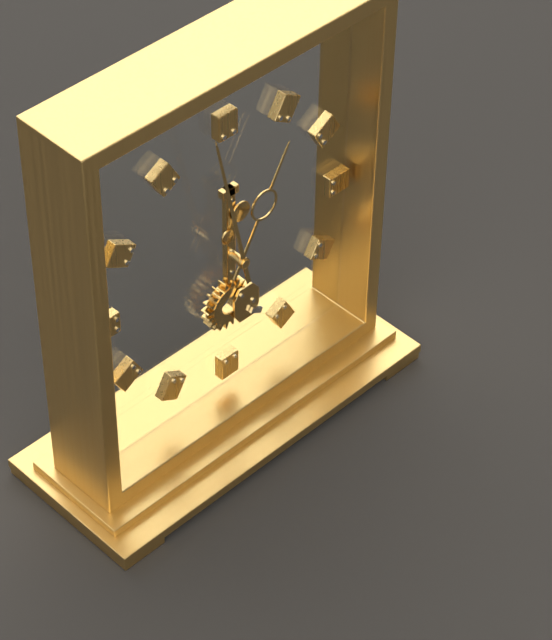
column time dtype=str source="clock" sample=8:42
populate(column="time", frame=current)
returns 12:58
